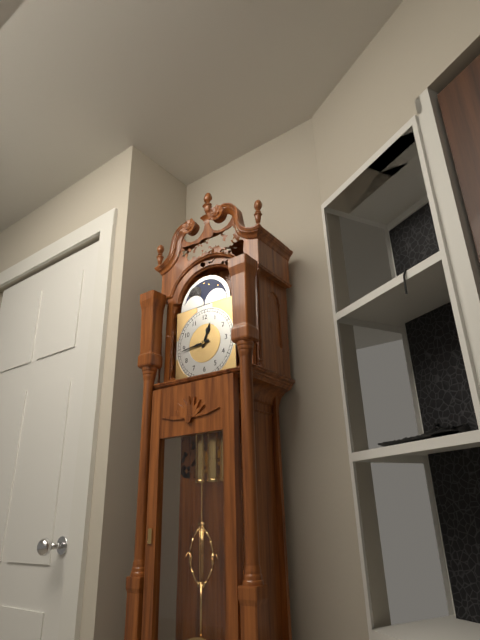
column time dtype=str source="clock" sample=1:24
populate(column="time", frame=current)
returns 12:44
